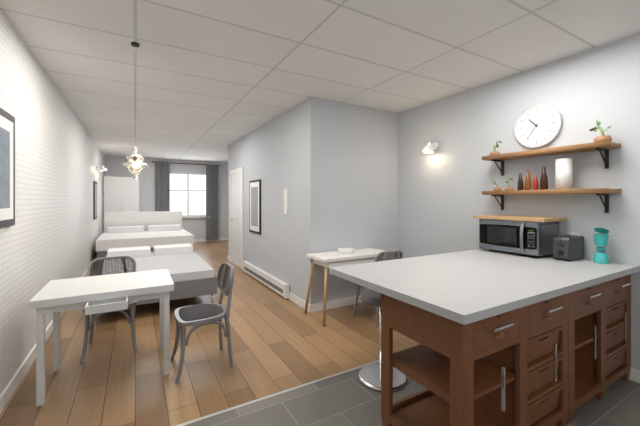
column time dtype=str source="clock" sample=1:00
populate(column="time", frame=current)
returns 10:36
